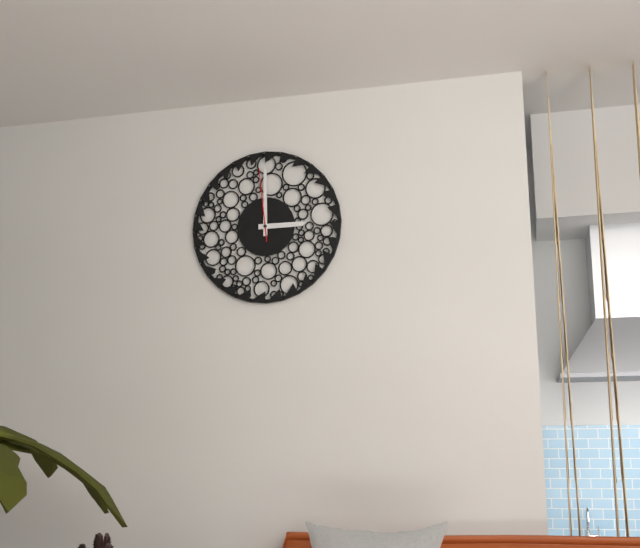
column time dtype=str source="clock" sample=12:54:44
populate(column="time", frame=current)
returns 3:00:59
